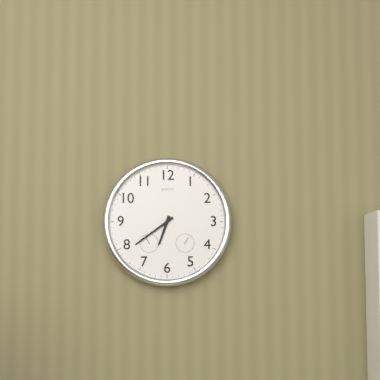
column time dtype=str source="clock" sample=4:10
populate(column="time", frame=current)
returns 6:39
